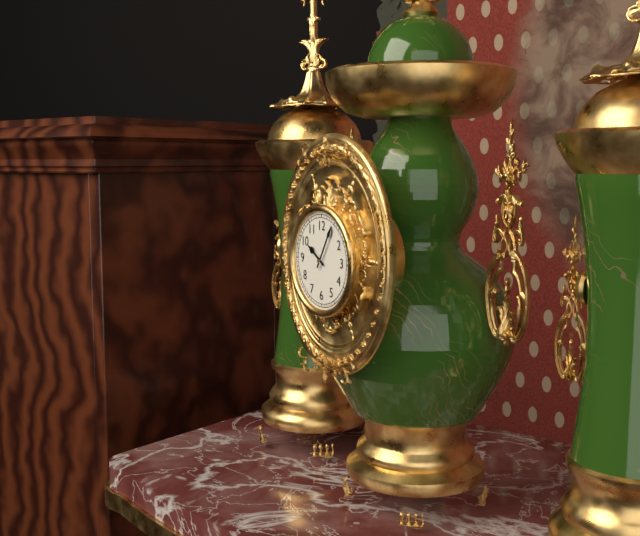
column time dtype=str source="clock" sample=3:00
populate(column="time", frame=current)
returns 10:05
